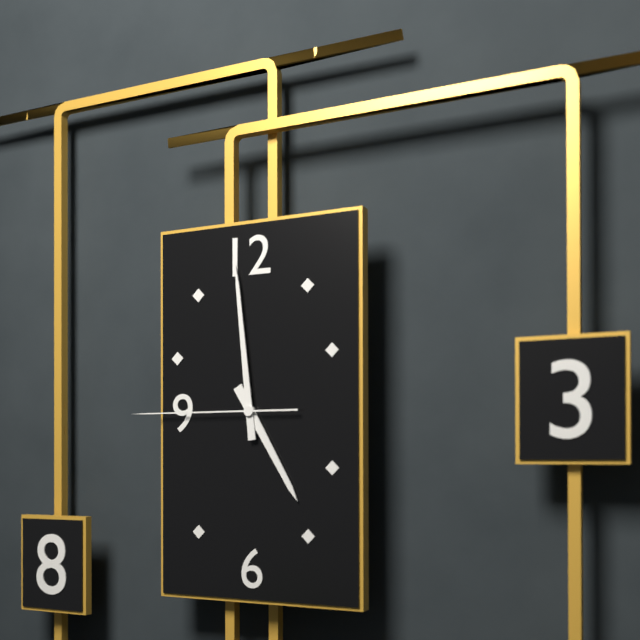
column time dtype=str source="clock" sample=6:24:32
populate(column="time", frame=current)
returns 4:59:45
